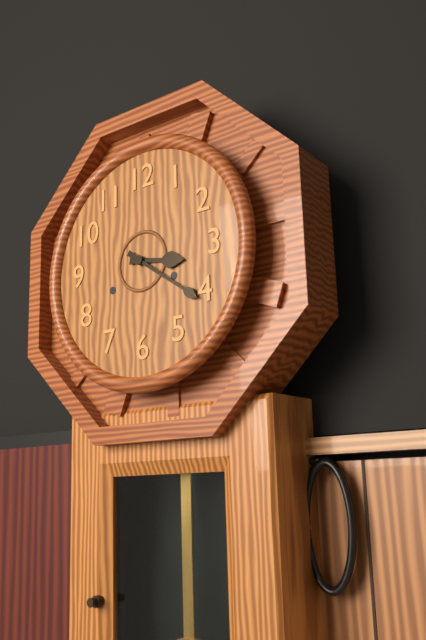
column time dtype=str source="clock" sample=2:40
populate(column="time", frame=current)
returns 3:21
